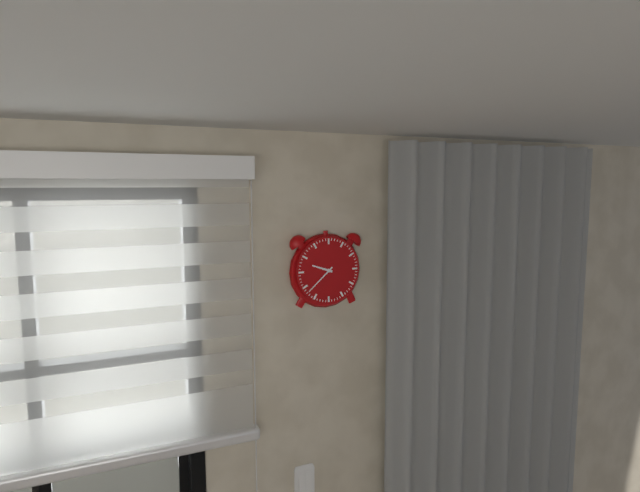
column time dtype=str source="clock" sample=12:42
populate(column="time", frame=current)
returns 9:38
